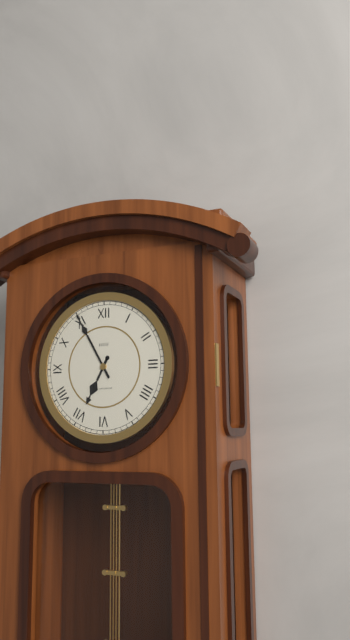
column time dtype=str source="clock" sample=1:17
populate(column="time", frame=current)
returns 6:55
